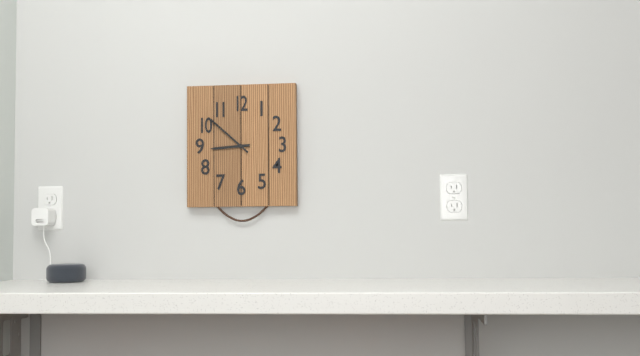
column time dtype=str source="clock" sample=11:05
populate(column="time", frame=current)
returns 8:52
